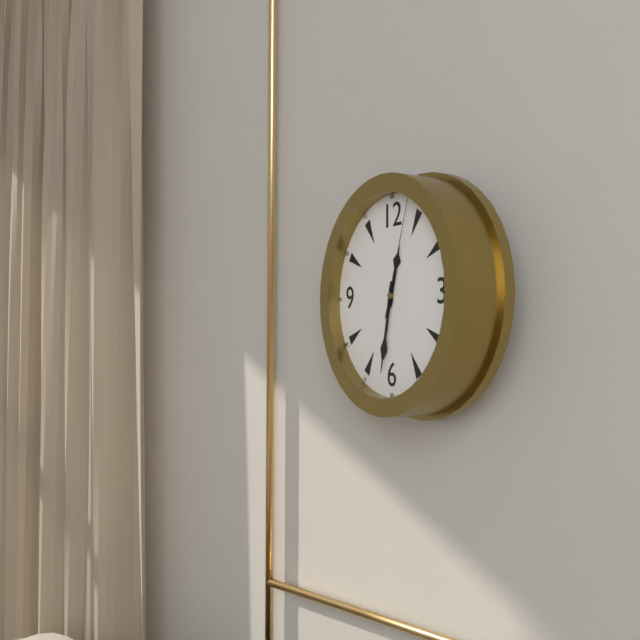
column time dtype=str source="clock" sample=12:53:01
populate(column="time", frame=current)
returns 12:32:03
